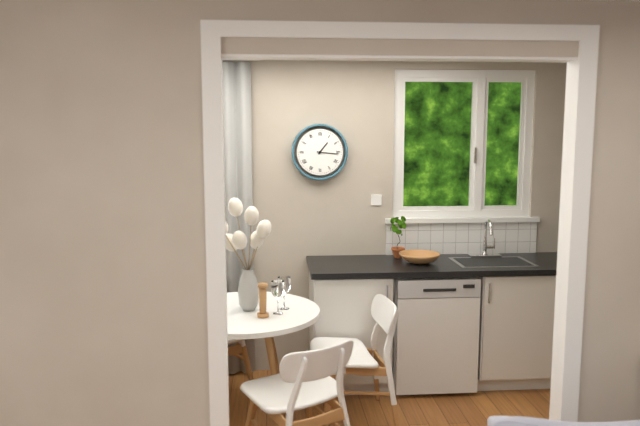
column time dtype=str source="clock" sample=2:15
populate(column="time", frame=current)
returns 1:16
